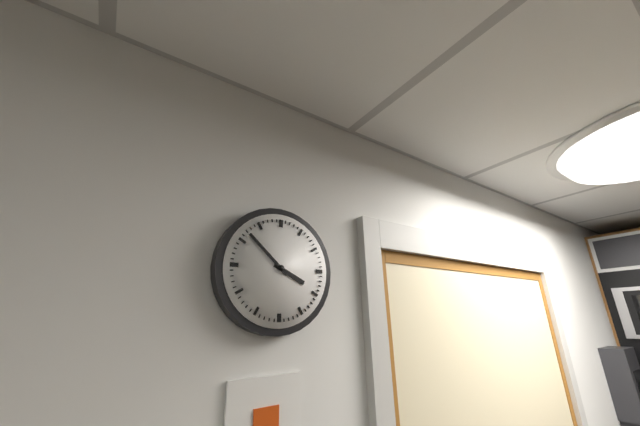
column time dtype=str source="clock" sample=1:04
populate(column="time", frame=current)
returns 3:52
